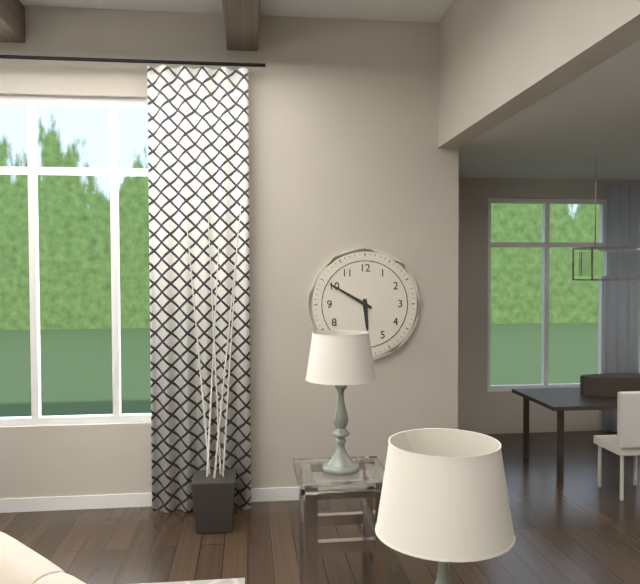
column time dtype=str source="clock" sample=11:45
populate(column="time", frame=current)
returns 5:50
